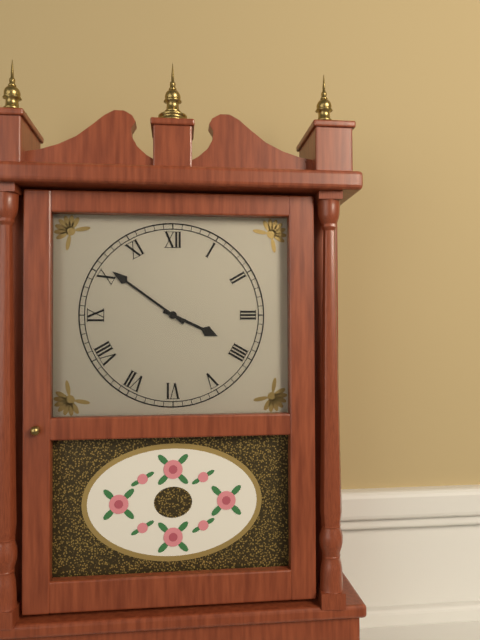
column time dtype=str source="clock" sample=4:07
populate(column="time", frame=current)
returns 3:51
